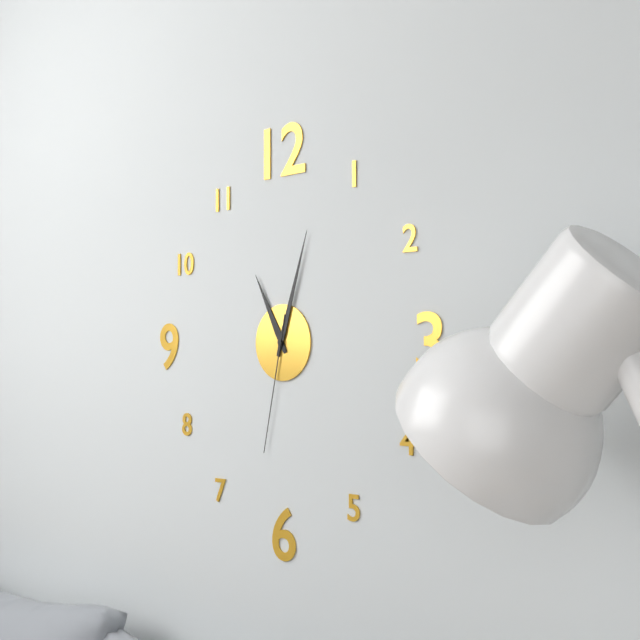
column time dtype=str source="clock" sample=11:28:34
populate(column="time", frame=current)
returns 11:03:32
